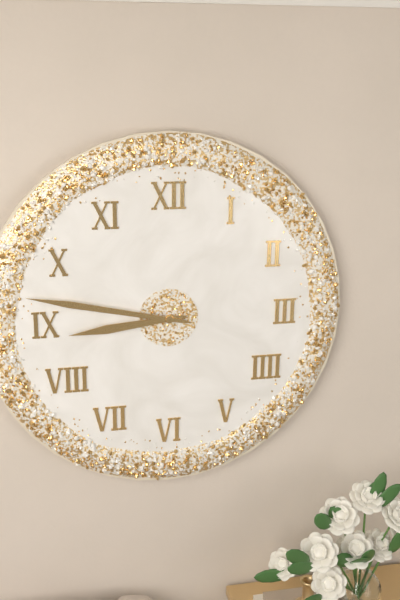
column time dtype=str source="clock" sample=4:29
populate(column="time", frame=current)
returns 8:47
